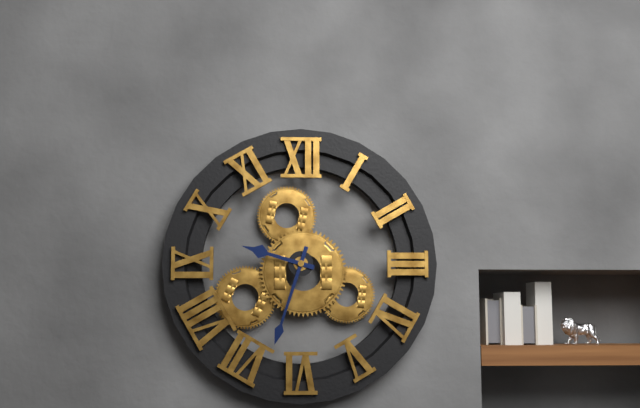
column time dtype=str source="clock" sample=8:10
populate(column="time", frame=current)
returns 9:33
